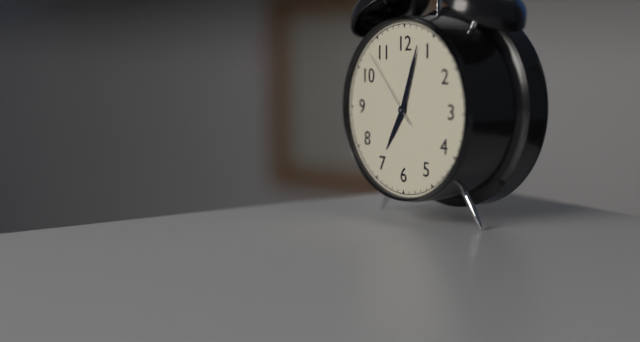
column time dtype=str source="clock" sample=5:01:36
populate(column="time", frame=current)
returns 7:03:53
